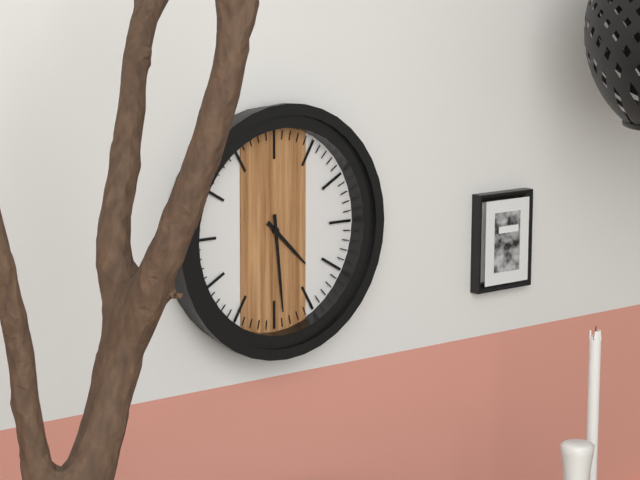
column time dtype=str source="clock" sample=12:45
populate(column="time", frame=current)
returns 4:29
